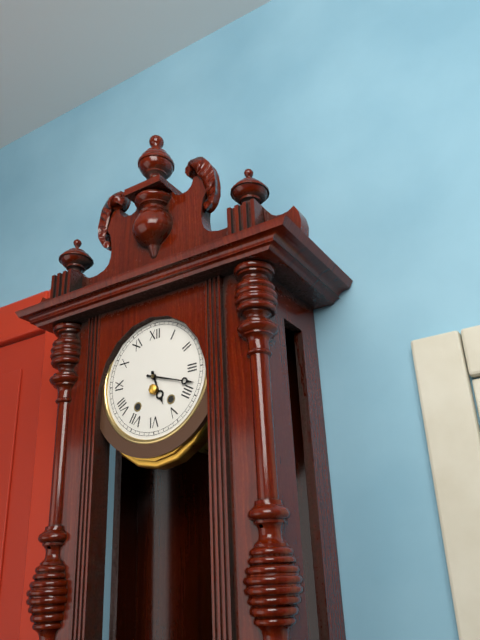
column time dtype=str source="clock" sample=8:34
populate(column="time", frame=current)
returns 5:18
